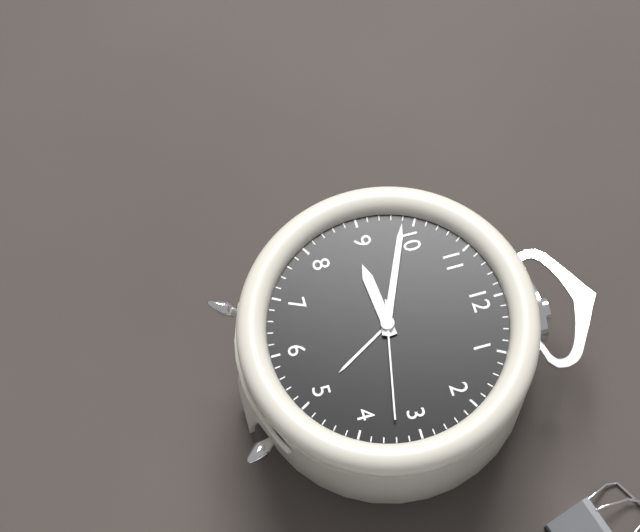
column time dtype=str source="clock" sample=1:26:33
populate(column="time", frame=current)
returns 8:49:17
